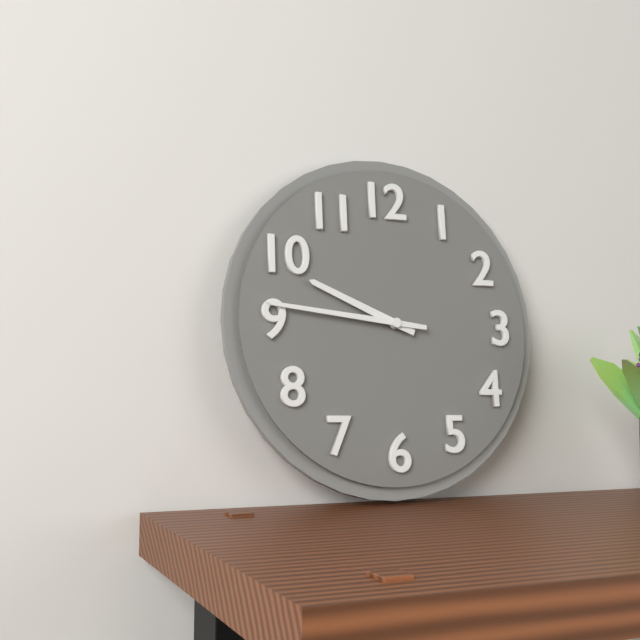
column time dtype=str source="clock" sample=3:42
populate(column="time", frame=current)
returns 9:46
